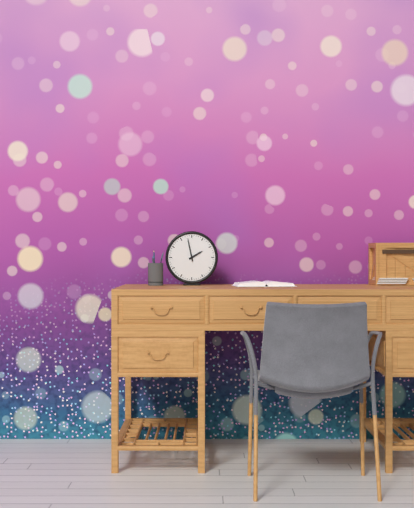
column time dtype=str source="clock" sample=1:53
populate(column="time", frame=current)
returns 1:58
